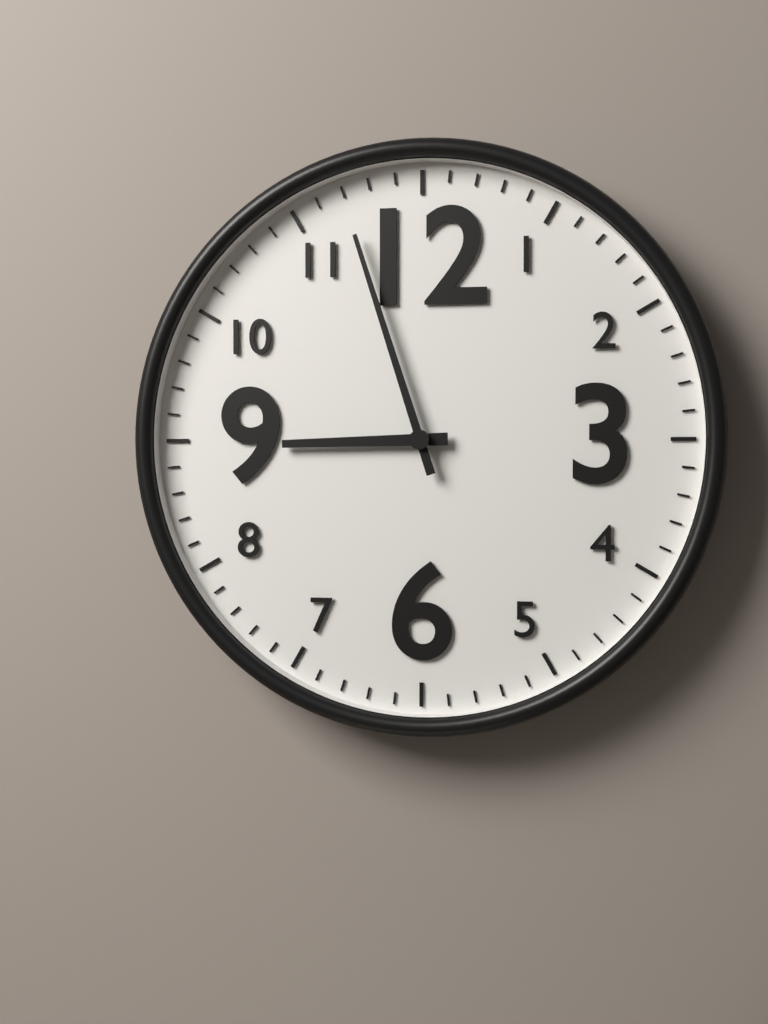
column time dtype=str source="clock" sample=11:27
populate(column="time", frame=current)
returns 8:57
